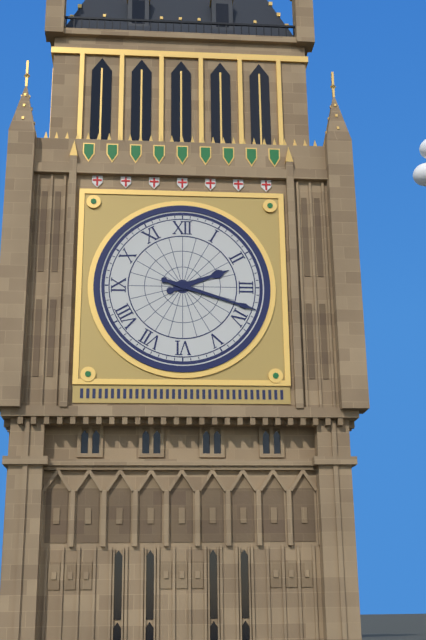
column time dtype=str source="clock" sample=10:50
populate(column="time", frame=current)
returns 2:18
